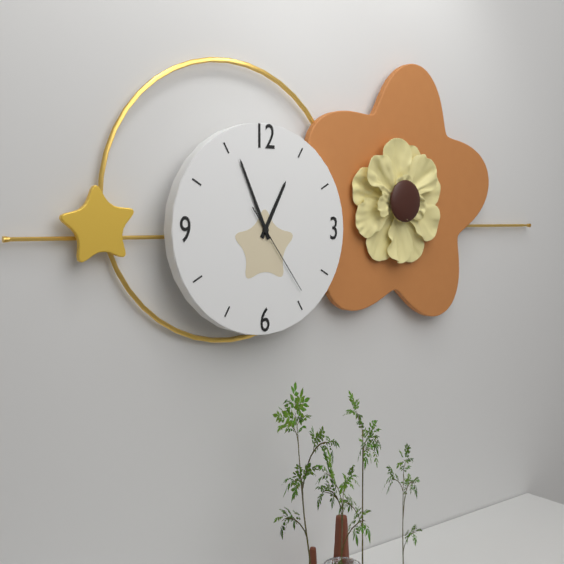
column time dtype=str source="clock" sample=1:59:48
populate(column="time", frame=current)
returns 12:56:24
